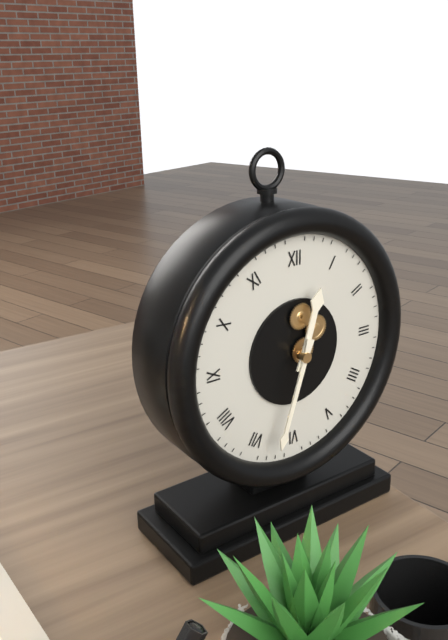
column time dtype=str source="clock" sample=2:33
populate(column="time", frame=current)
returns 12:33
